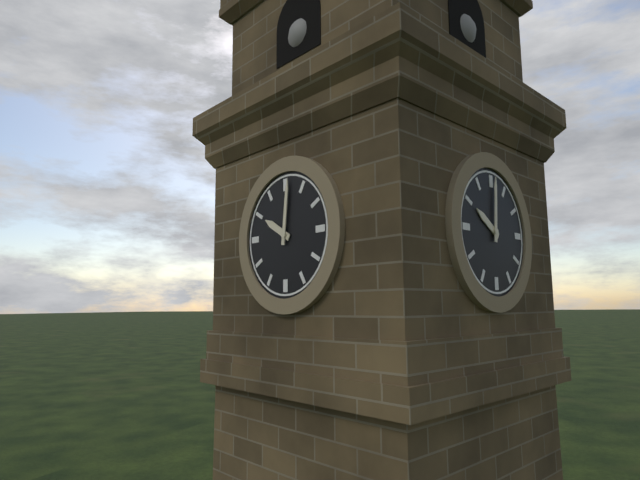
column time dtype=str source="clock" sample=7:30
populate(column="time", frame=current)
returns 10:01
